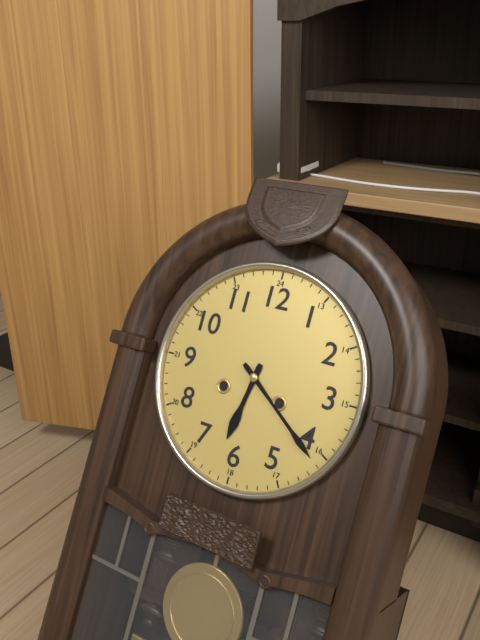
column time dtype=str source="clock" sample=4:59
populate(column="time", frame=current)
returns 6:21
